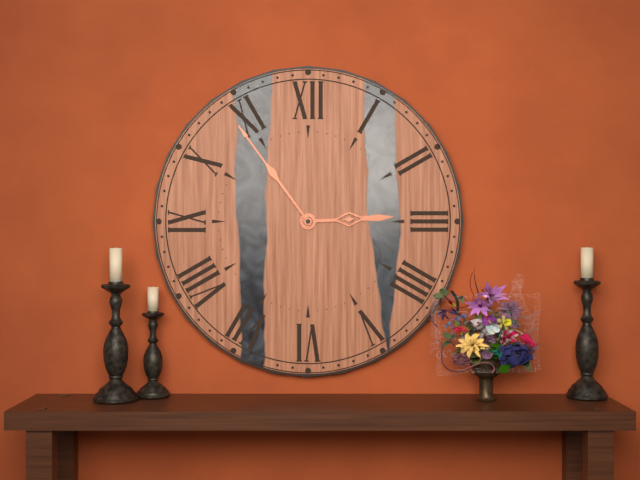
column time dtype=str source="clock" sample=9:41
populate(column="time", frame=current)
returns 2:54
